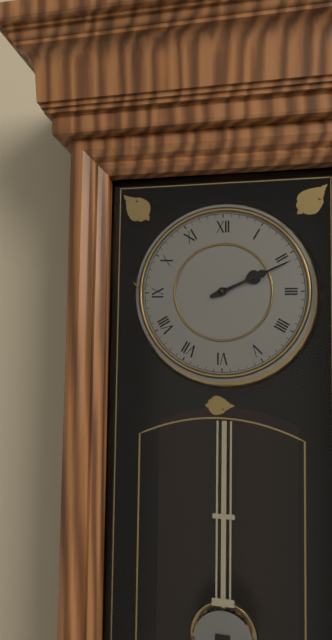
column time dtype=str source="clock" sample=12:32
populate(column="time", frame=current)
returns 2:11
